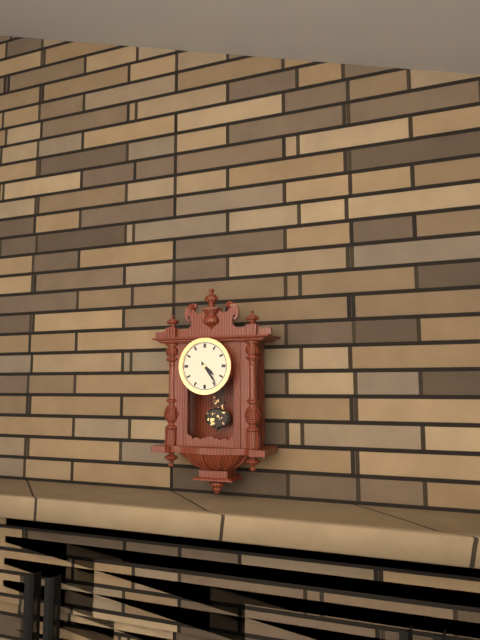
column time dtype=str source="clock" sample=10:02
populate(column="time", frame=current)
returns 4:24
